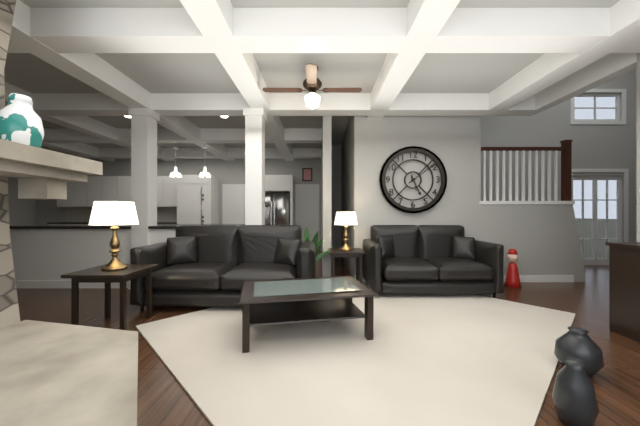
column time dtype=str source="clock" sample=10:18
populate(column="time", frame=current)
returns 5:09
